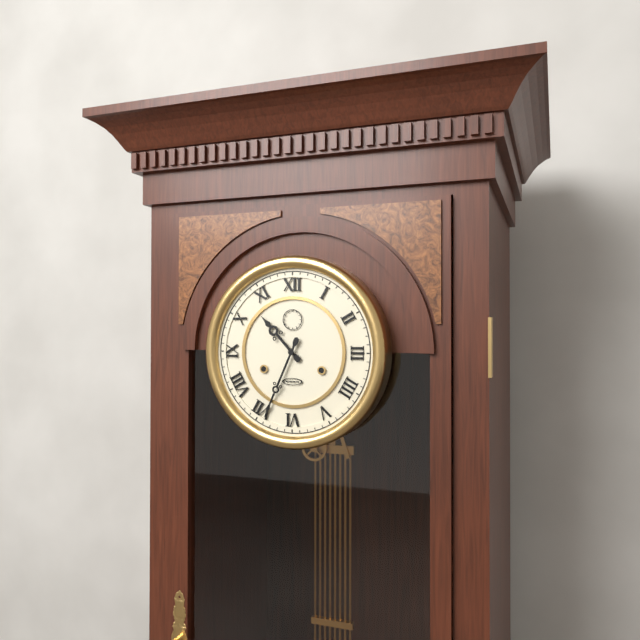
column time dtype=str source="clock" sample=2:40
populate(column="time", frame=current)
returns 10:34
